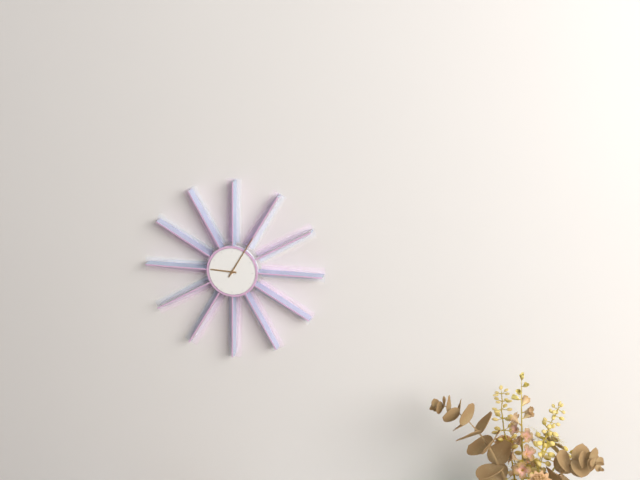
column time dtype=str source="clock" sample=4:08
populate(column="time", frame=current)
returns 9:05
